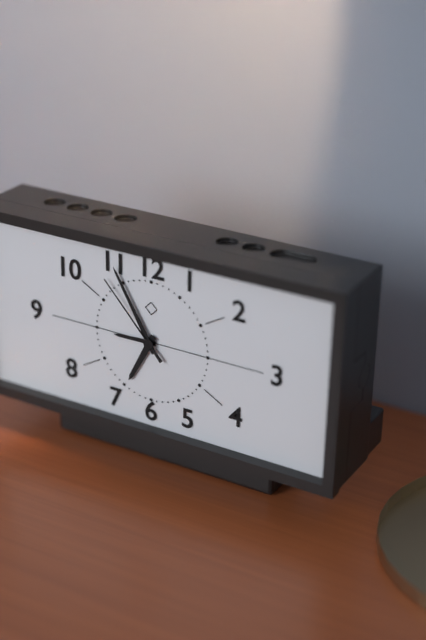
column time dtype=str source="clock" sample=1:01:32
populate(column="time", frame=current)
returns 6:55:53
